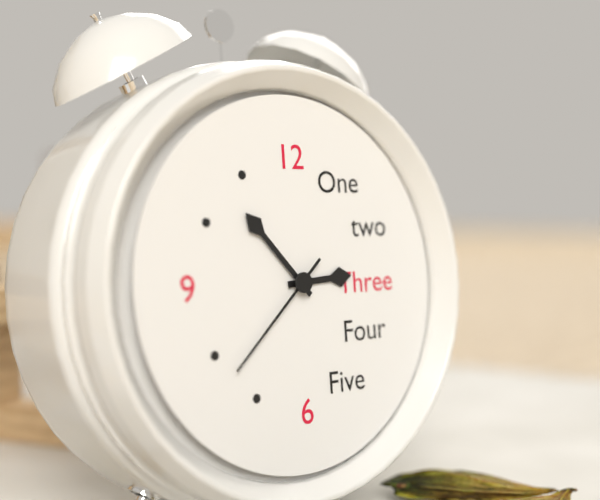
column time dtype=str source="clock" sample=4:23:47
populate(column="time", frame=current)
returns 2:53:38
